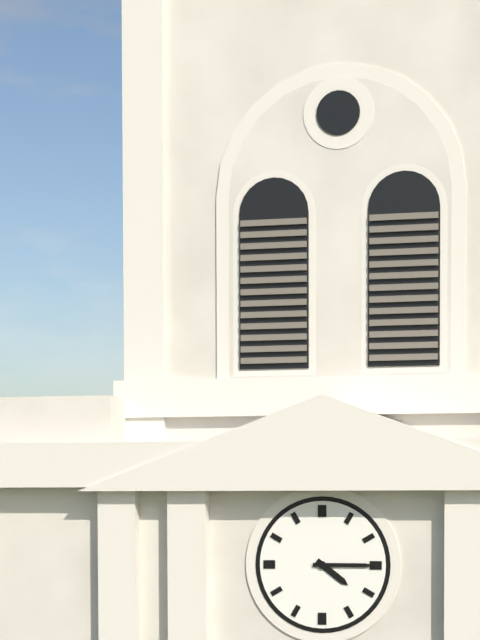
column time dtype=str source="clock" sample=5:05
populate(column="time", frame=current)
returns 4:15
